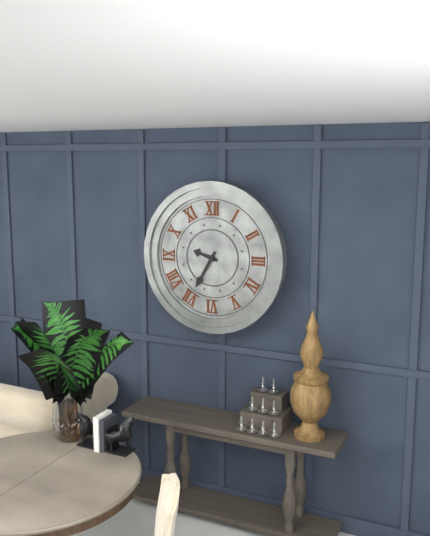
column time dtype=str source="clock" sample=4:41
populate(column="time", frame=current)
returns 9:35
